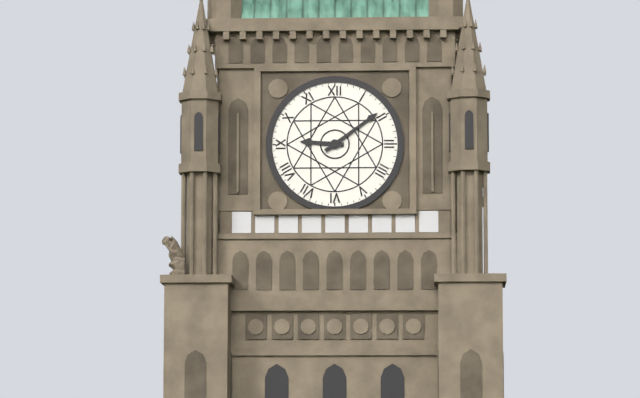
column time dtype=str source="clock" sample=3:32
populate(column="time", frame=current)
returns 9:09
